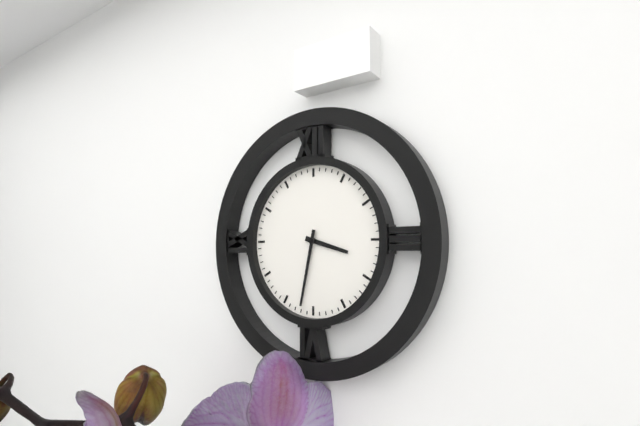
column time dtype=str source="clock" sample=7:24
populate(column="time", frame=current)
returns 3:32
